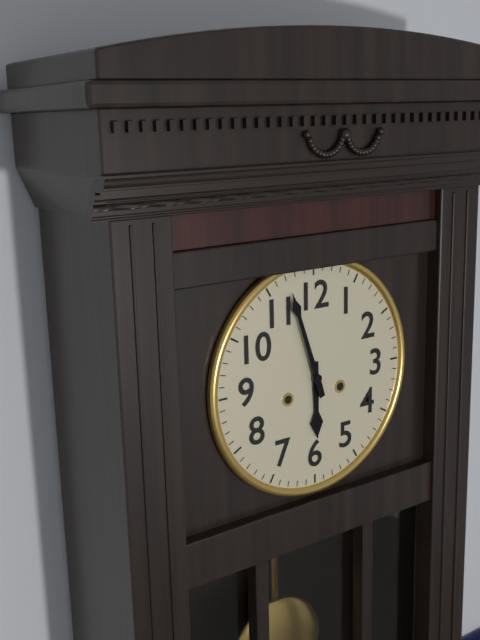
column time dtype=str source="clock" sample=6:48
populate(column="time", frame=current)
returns 5:57
